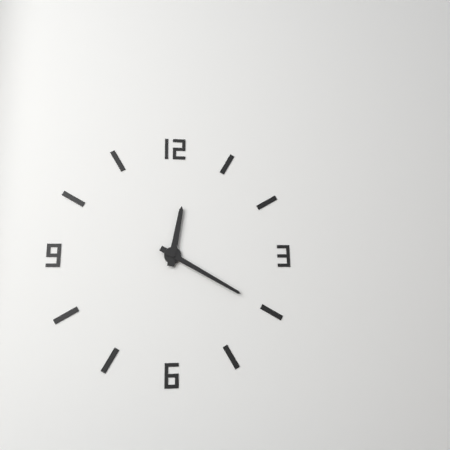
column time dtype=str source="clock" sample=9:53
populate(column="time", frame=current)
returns 12:20
